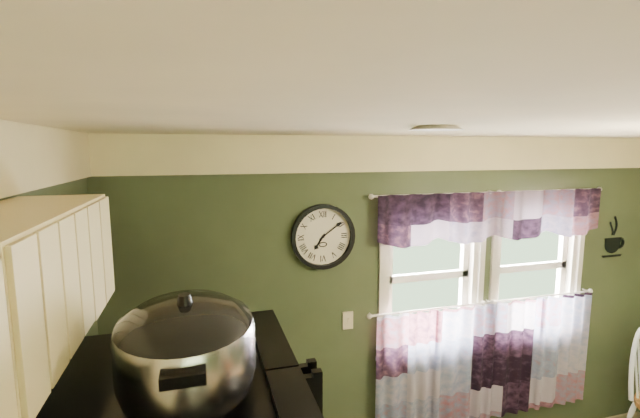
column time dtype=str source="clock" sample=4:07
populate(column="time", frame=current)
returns 7:09
